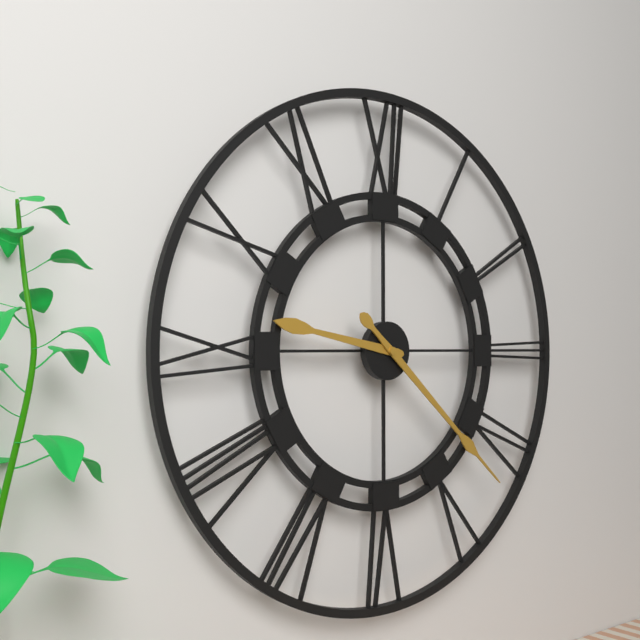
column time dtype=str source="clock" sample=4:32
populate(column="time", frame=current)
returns 9:22
